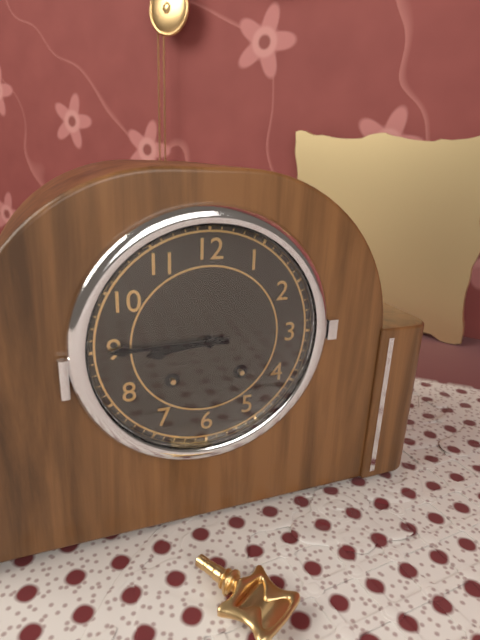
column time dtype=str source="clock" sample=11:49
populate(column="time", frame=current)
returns 8:45
